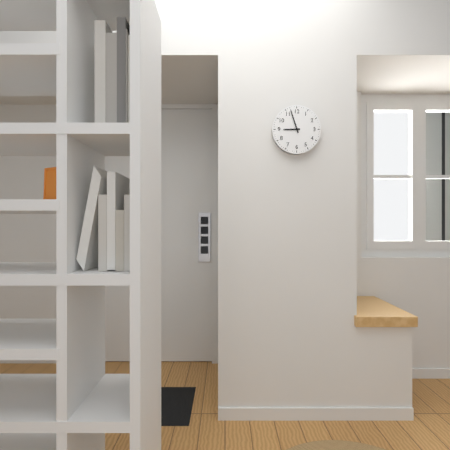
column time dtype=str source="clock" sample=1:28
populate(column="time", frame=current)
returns 8:57
